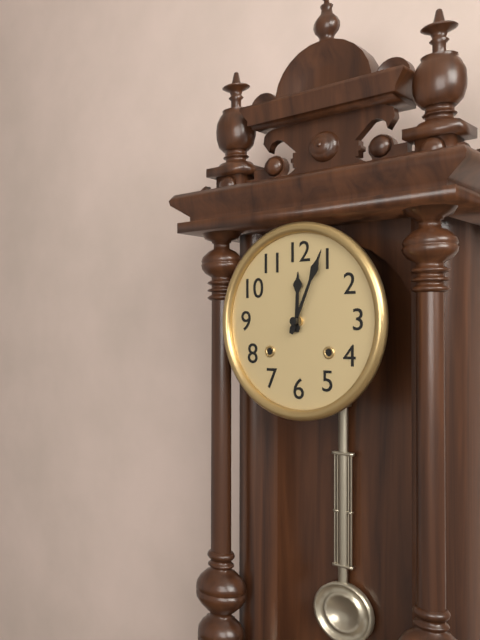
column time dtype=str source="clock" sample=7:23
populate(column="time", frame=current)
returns 12:04
